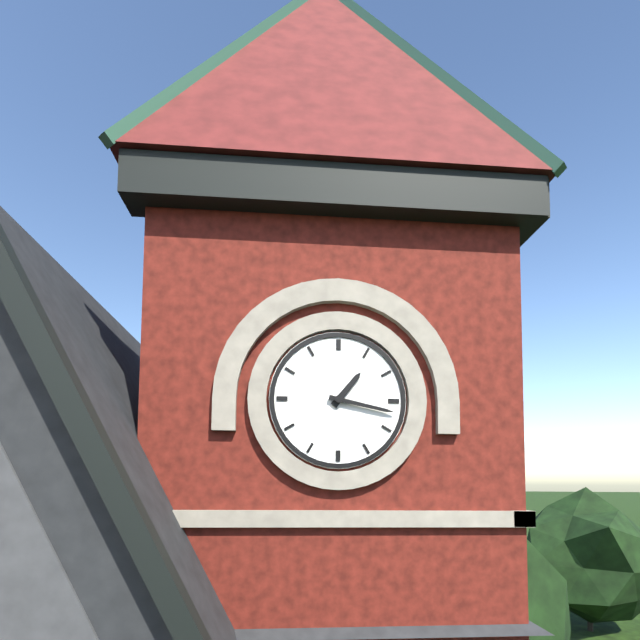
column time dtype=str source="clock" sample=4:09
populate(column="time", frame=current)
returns 1:17
